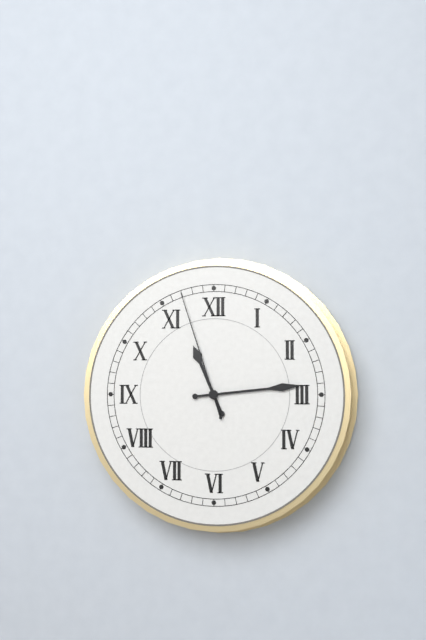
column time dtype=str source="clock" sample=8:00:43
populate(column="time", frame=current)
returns 11:14:57
